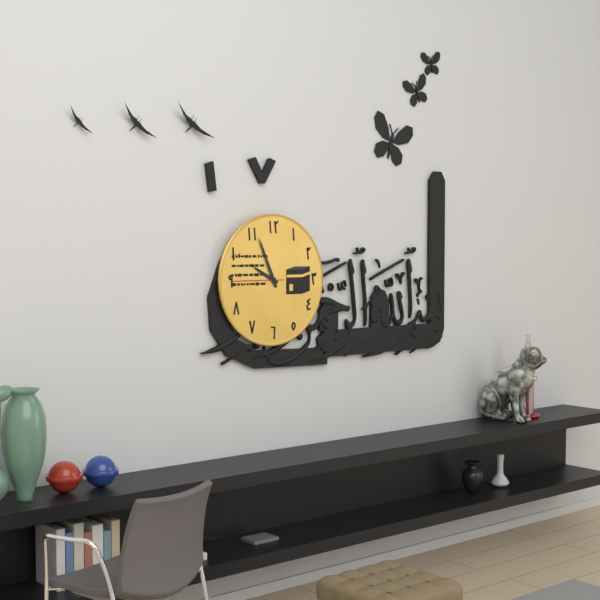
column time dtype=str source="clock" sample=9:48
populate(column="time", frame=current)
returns 9:56
